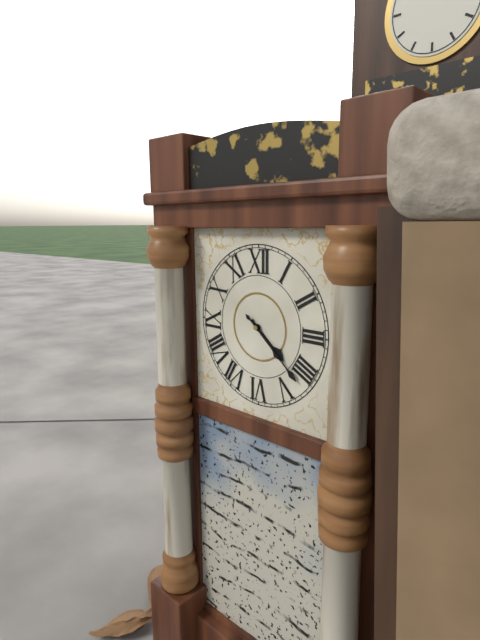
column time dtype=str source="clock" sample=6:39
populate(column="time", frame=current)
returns 4:22
